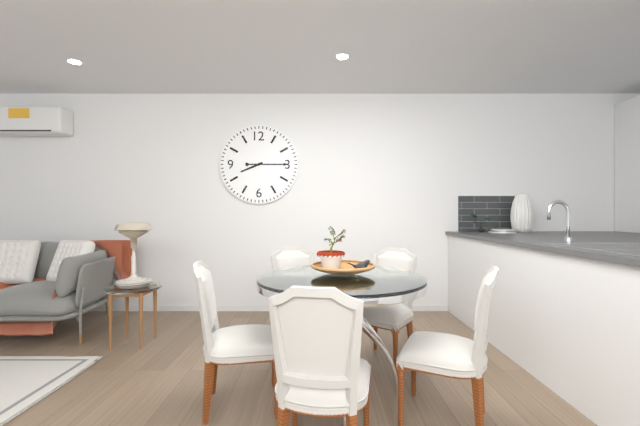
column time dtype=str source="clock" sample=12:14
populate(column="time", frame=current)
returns 8:15
